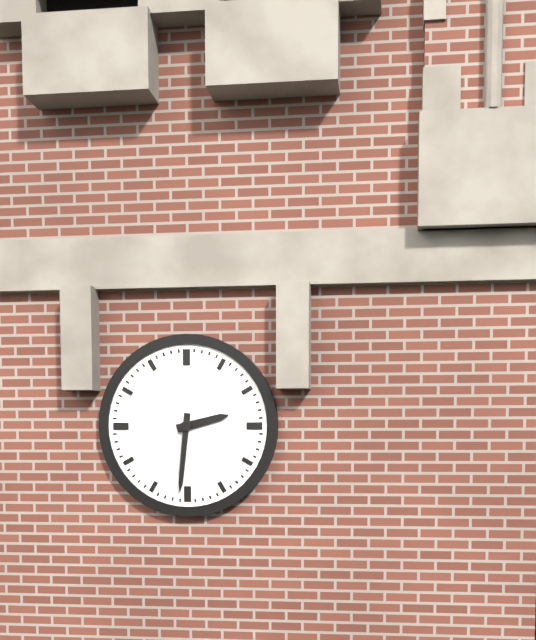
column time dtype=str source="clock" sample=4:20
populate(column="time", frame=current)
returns 2:31
